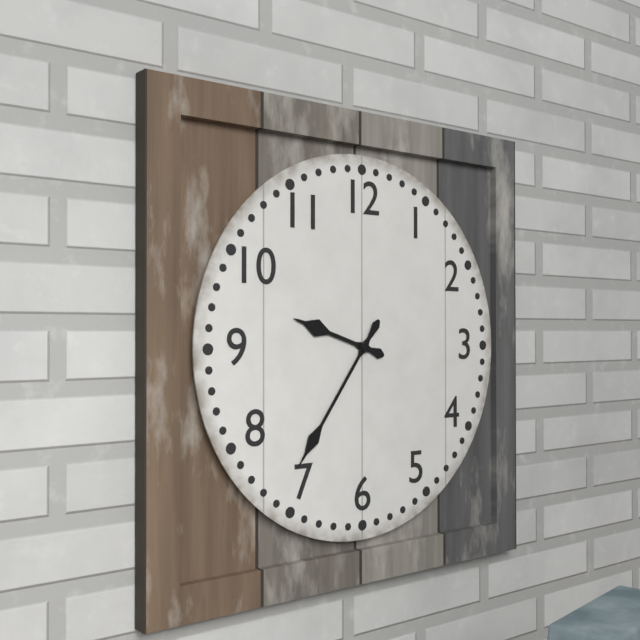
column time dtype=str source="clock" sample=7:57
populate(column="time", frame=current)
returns 9:36
